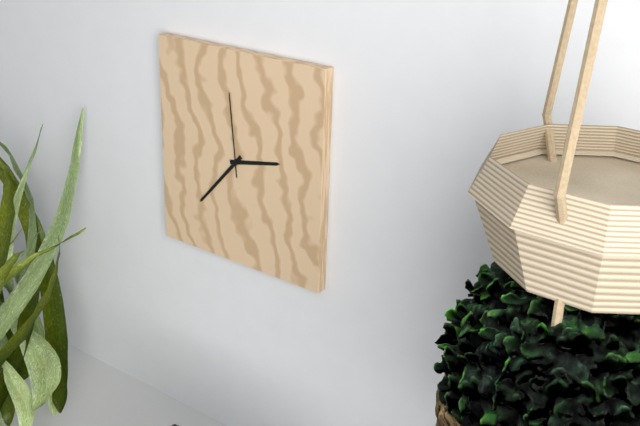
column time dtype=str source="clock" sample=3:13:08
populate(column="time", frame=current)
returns 2:37:59
